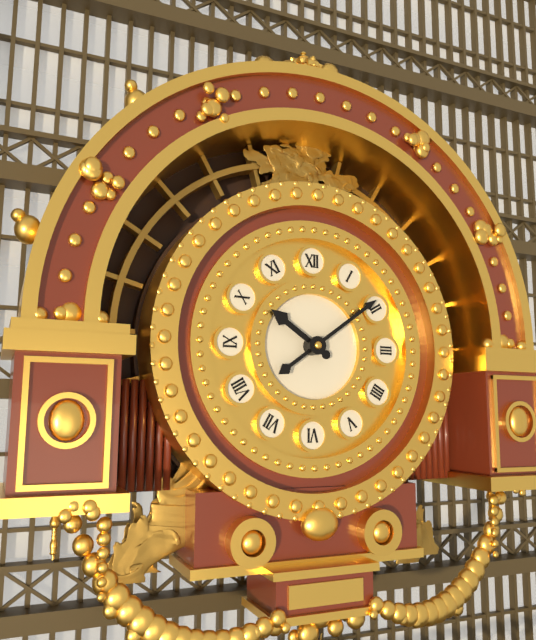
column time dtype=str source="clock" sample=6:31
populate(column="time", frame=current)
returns 10:09
